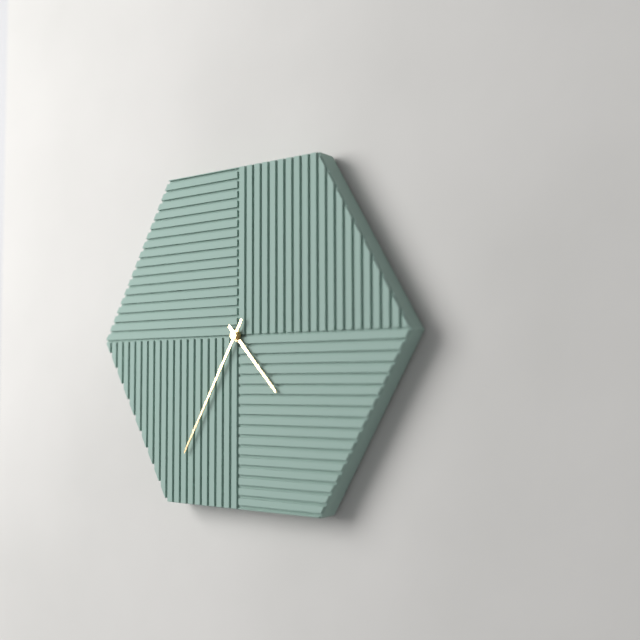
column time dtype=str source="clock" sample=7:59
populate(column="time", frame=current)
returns 4:35
